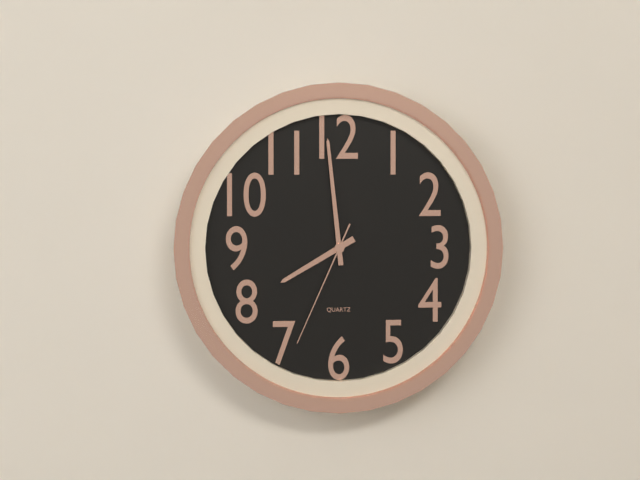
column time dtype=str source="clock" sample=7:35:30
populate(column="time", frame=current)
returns 7:59:34
